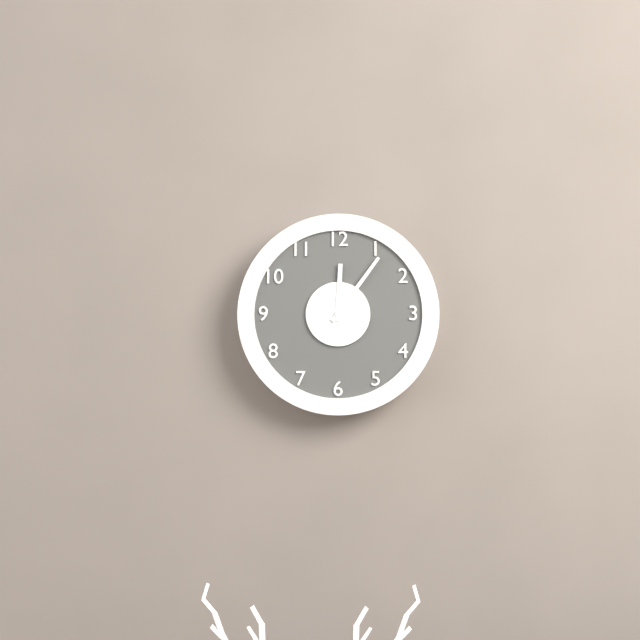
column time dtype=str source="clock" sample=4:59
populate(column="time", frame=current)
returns 12:06
